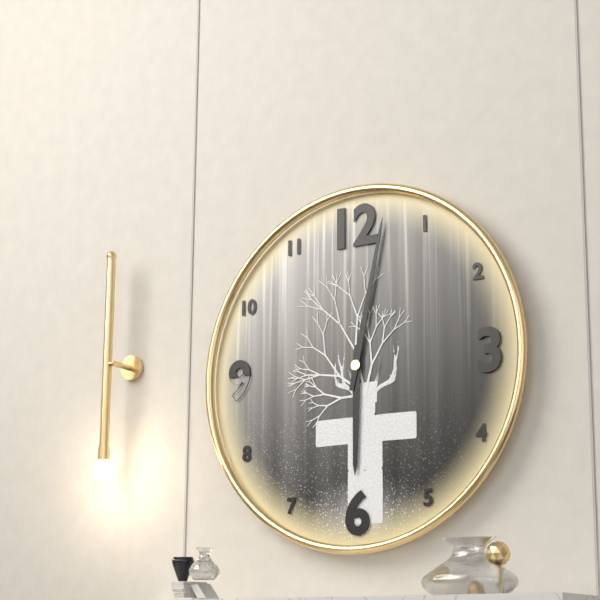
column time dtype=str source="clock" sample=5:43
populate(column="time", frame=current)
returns 6:02
